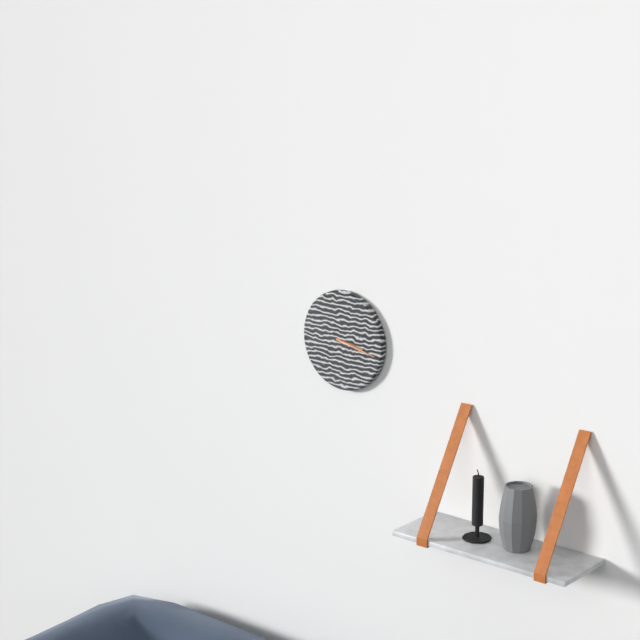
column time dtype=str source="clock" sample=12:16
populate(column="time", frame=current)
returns 3:17
